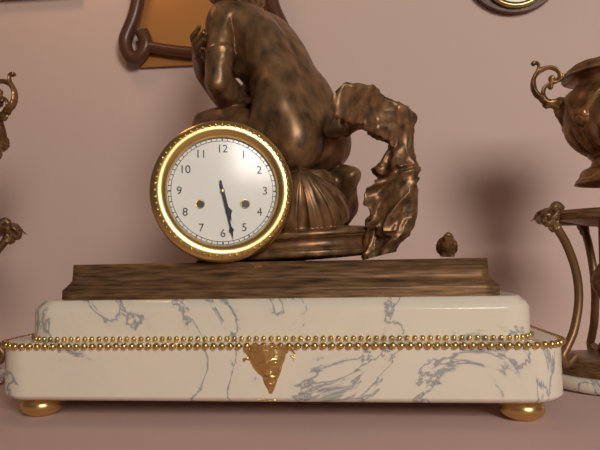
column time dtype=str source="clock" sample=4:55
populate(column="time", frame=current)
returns 5:28
